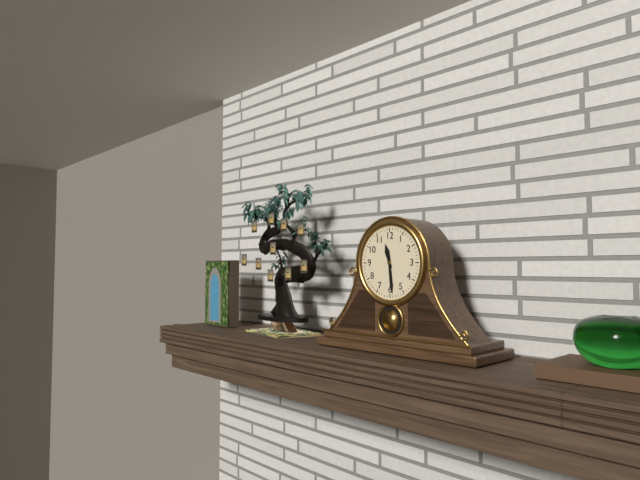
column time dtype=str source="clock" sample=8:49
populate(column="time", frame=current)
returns 11:29
